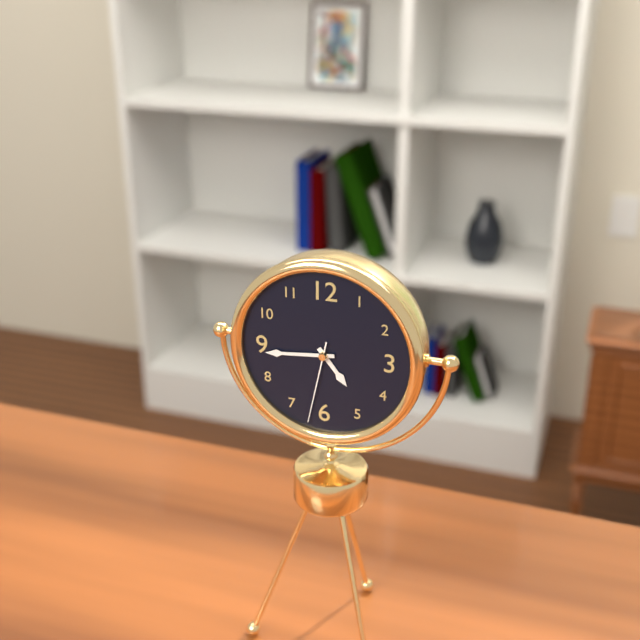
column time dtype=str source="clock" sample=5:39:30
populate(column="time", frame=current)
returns 4:44:32
